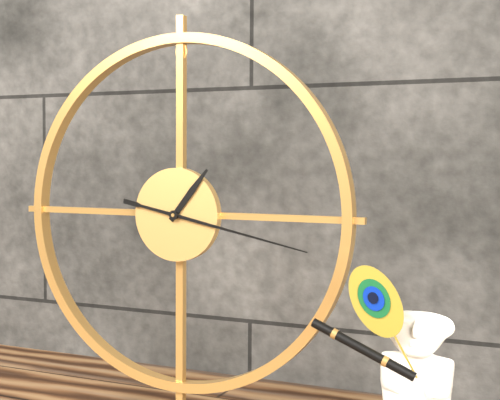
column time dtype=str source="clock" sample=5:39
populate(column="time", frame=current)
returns 1:17
